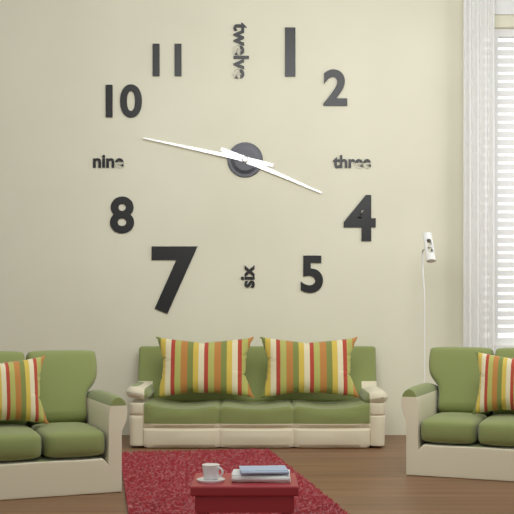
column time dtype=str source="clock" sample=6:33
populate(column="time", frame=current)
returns 3:47
